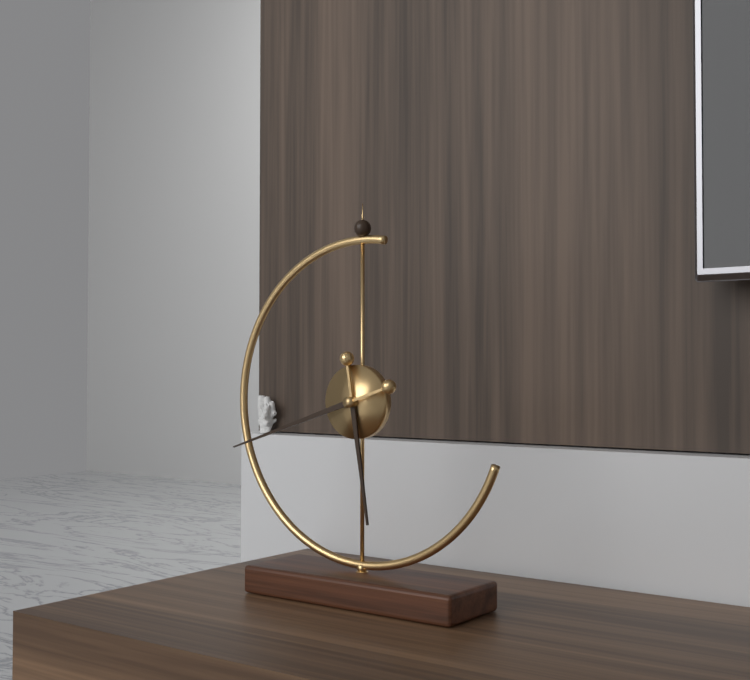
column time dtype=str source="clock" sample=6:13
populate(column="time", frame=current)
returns 5:42
